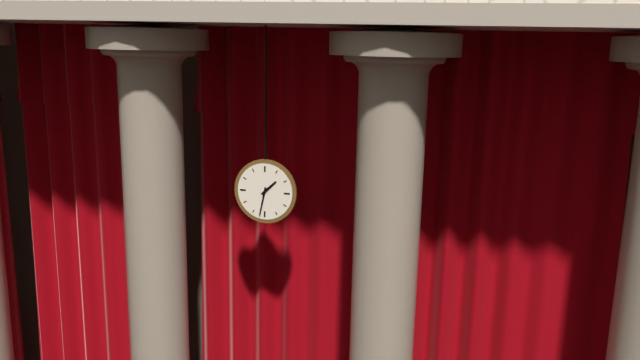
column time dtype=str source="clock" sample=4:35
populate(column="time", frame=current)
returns 1:32
